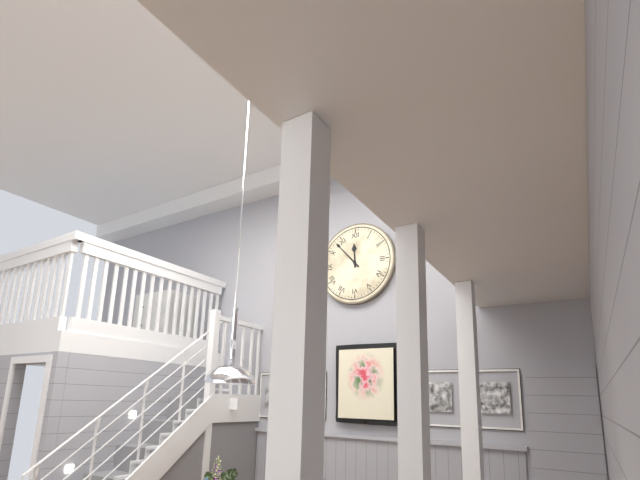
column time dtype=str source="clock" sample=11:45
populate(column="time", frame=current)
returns 11:53
